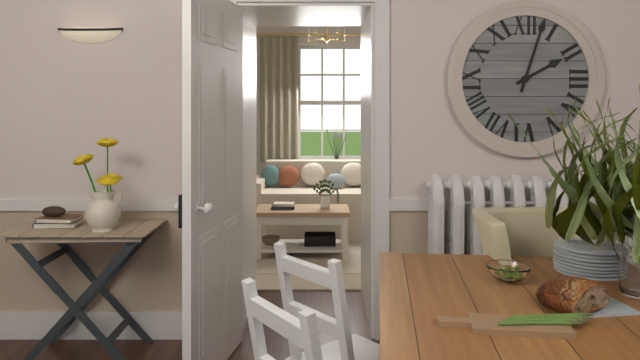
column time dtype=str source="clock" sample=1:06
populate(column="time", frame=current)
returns 2:03
